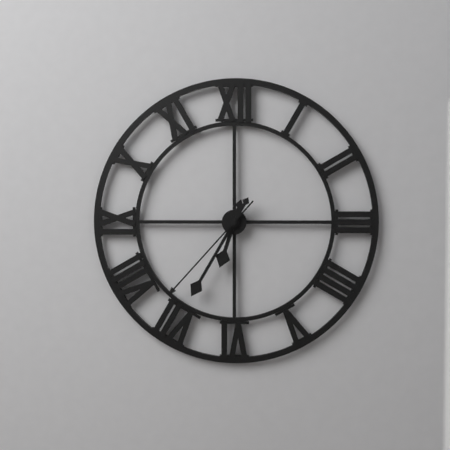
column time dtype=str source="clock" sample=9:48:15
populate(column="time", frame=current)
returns 6:35:37
